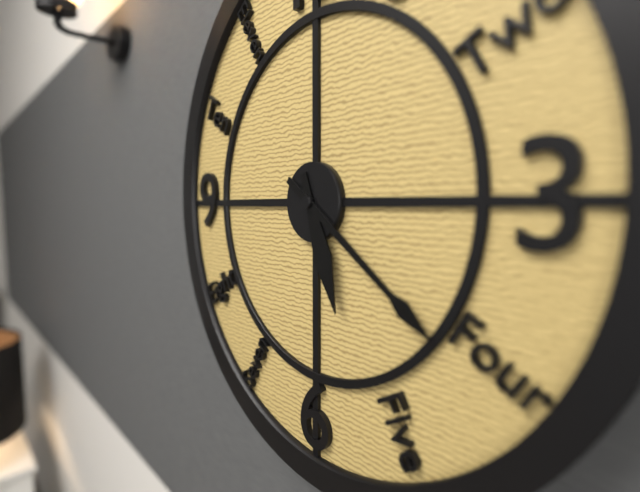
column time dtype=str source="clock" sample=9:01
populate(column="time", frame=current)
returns 5:21
